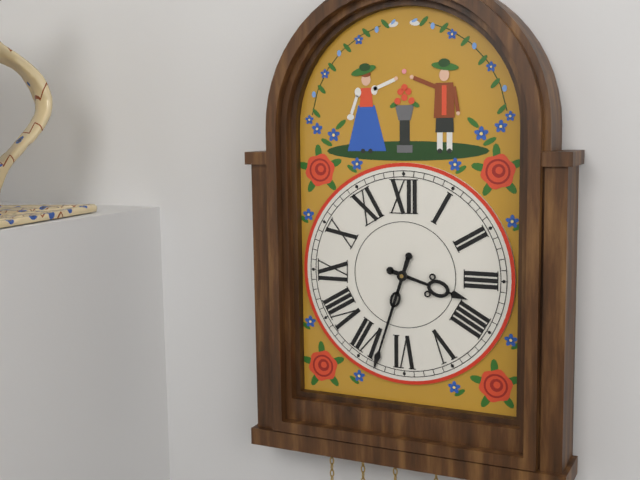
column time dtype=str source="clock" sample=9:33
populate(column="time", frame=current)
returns 3:33
